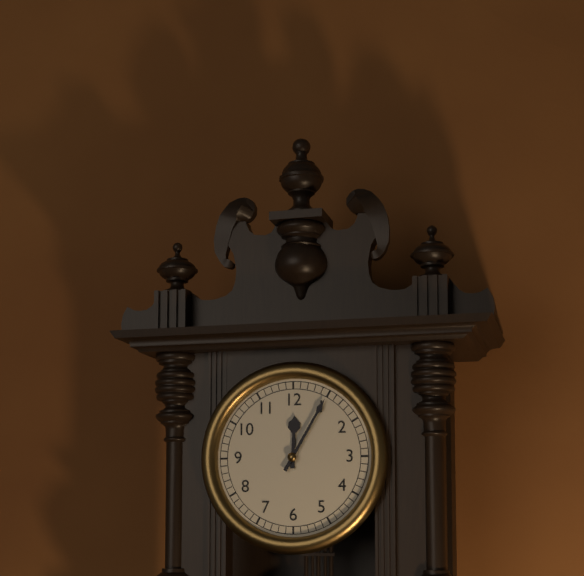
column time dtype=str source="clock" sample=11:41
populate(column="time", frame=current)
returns 12:05
